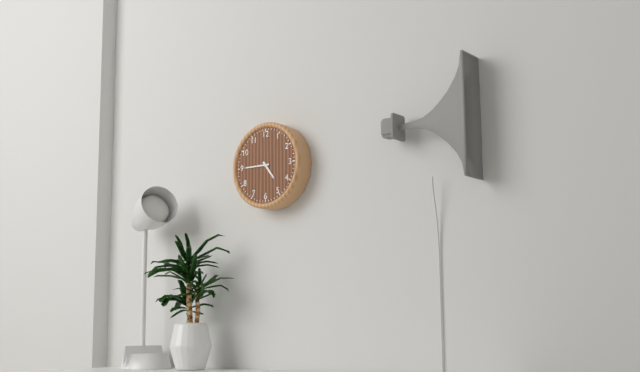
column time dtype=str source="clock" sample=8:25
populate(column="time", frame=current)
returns 4:45
